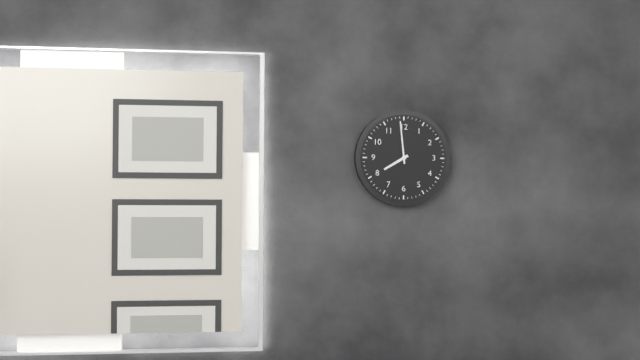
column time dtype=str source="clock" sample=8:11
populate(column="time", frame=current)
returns 7:59
